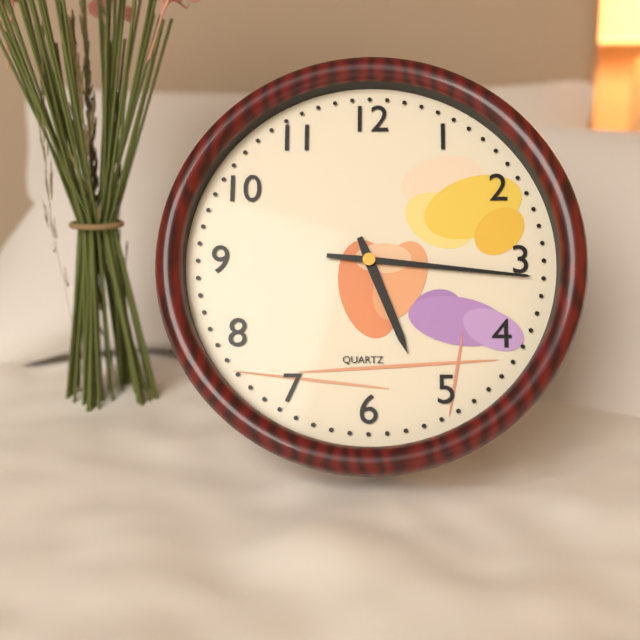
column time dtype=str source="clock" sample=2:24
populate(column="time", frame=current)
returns 5:16
